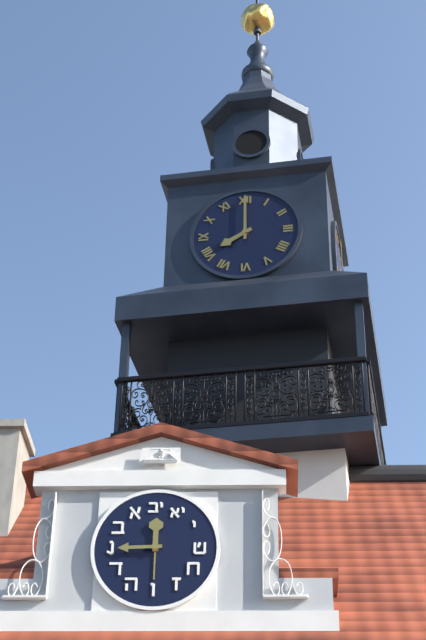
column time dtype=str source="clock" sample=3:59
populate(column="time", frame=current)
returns 8:00
